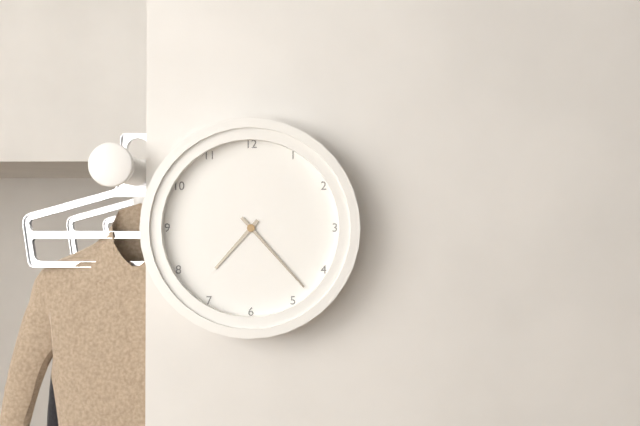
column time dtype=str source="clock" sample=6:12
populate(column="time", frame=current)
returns 7:23
